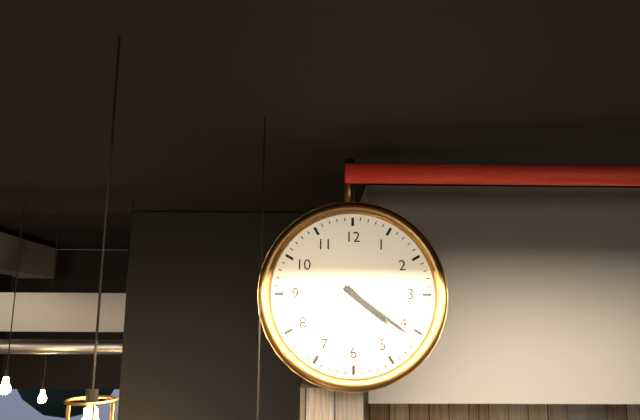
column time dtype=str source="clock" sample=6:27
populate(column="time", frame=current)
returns 4:21
